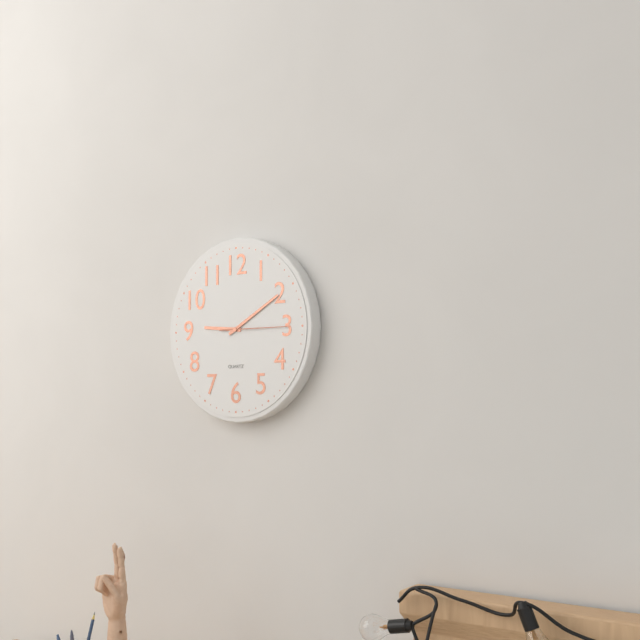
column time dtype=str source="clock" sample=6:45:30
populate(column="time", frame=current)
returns 9:10:15
